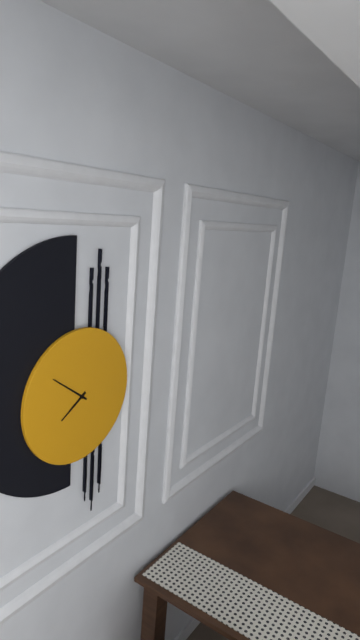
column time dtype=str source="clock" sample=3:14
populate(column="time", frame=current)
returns 7:51
